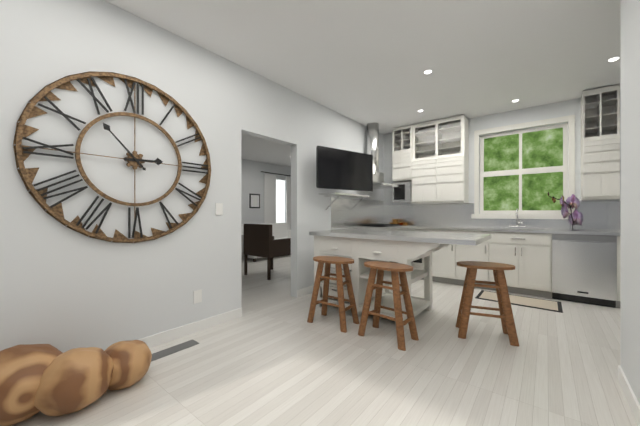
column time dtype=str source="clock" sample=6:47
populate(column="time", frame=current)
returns 2:53
